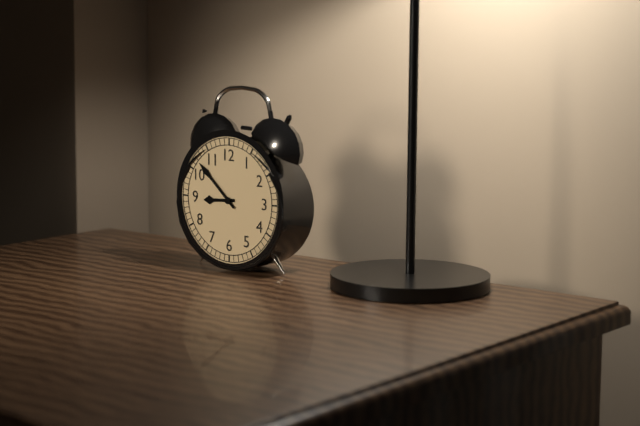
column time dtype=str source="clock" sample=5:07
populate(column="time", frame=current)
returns 8:52
